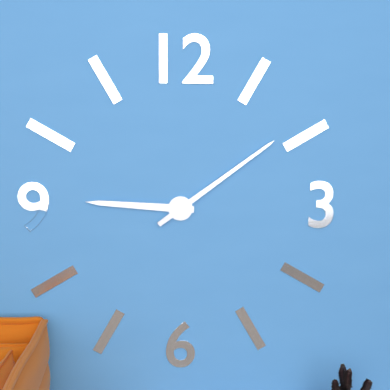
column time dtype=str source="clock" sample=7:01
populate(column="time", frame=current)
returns 9:09
